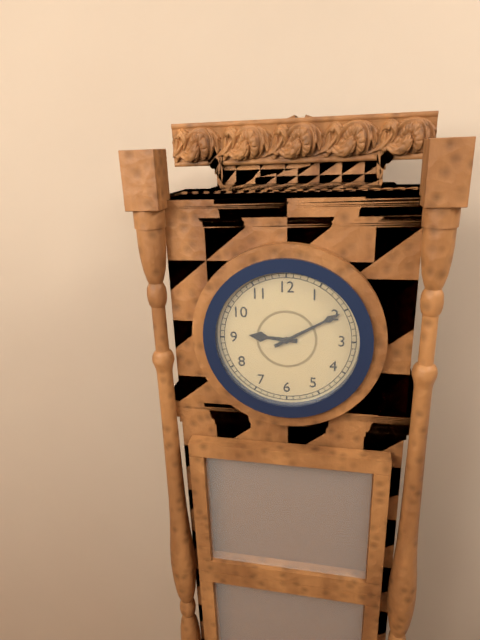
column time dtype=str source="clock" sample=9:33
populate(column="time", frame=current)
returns 9:10
